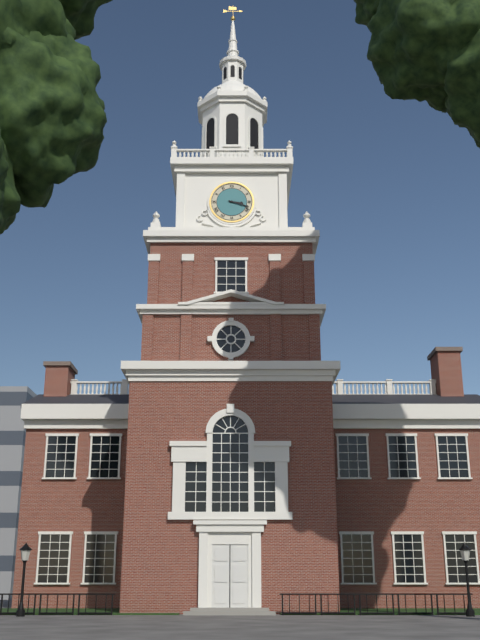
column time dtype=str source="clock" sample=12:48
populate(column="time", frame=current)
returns 3:18
